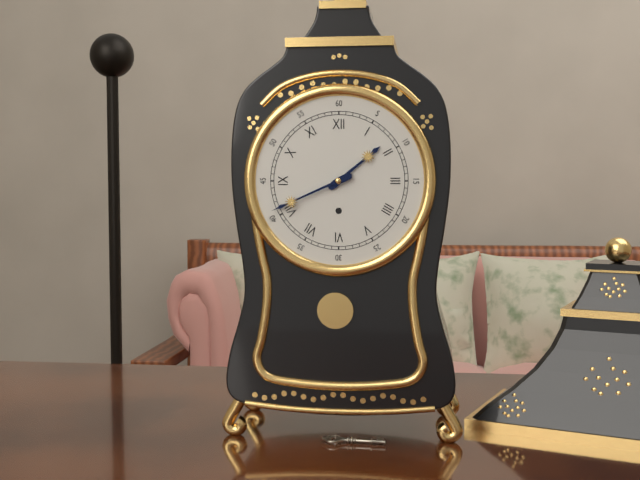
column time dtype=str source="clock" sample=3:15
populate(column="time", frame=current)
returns 1:41
